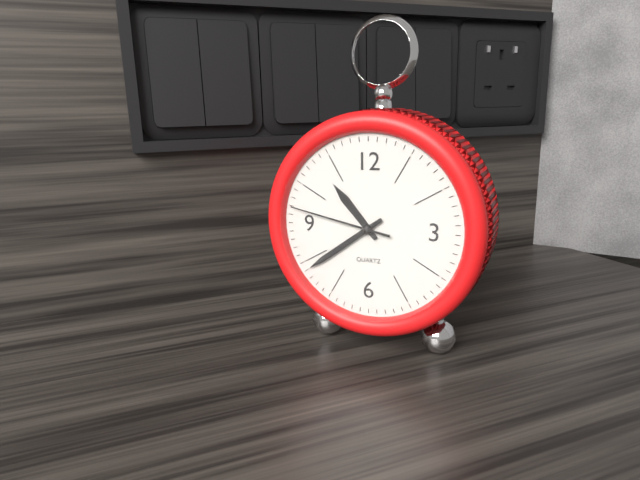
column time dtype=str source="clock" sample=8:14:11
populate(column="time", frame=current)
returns 10:39:47
